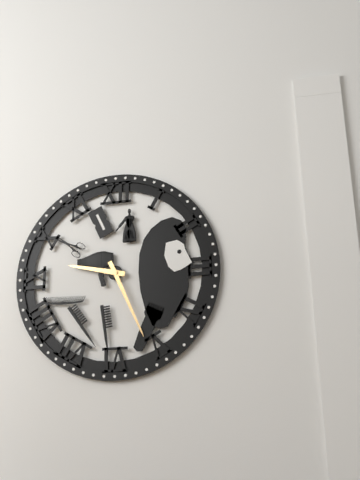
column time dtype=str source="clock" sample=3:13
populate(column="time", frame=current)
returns 9:26
